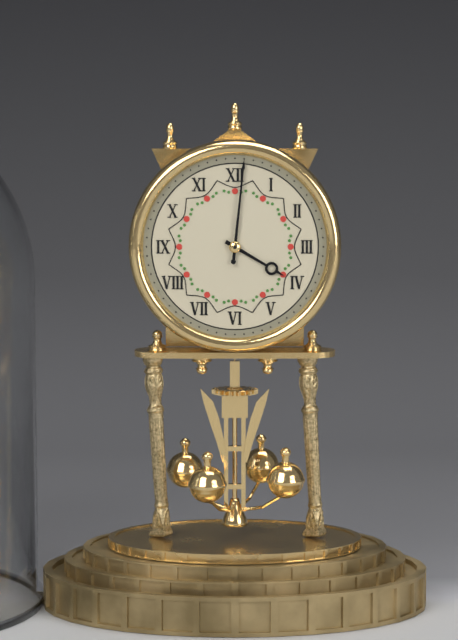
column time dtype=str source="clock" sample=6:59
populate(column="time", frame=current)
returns 4:01
